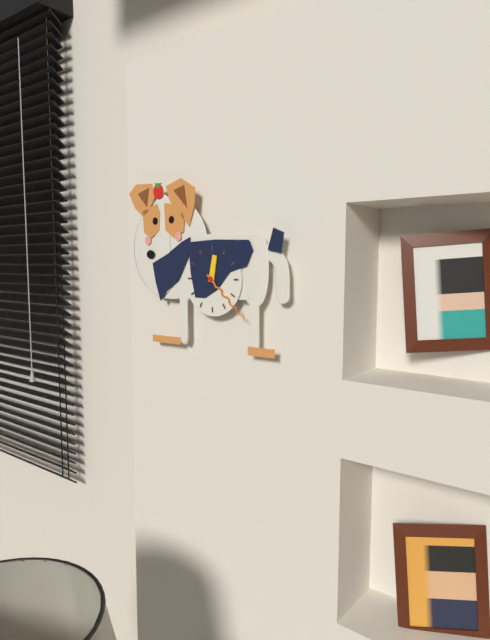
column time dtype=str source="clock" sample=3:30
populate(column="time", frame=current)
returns 12:22
